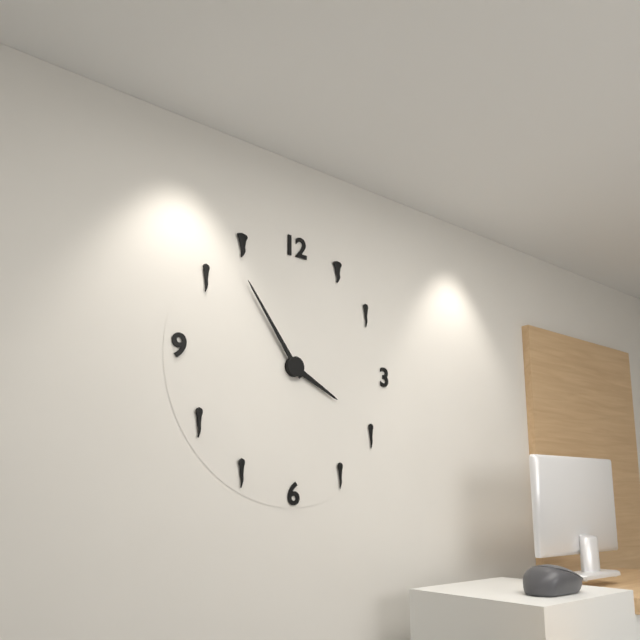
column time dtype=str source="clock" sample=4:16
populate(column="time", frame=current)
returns 3:54
